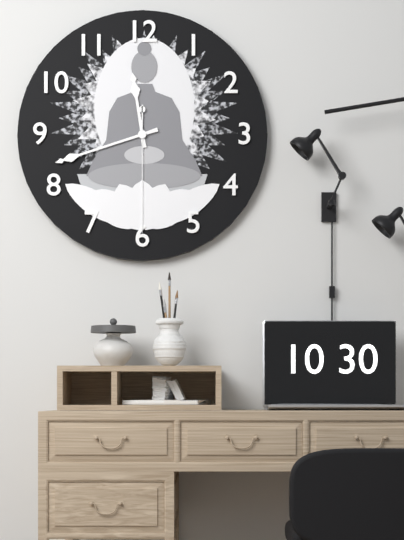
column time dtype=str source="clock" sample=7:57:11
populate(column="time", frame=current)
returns 11:42:30
